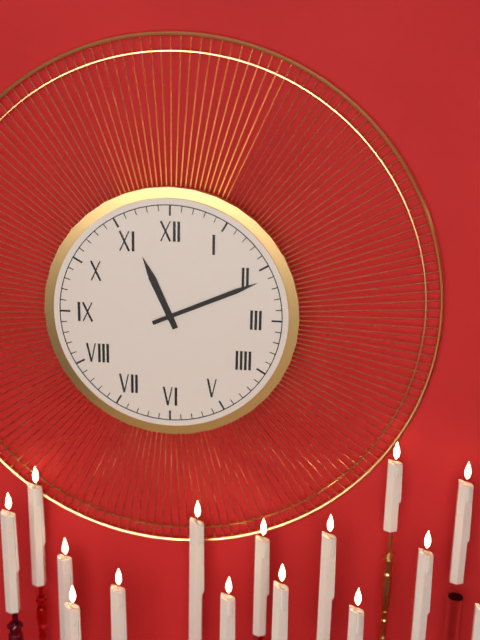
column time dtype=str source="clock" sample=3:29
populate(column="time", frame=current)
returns 11:11
